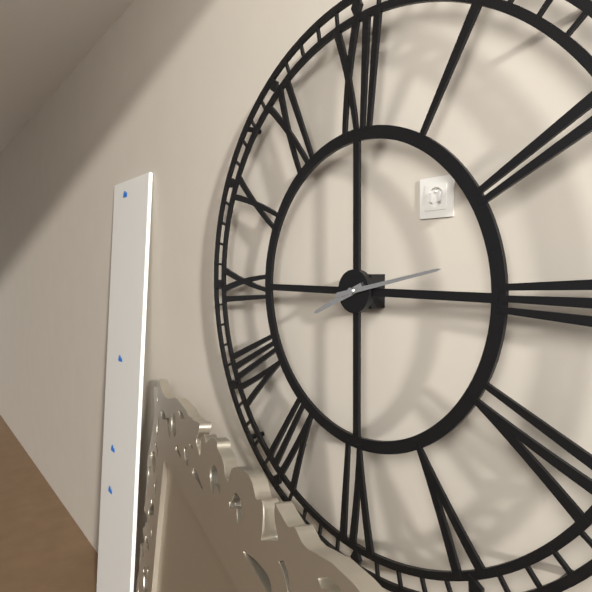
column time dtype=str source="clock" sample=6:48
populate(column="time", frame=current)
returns 8:13
